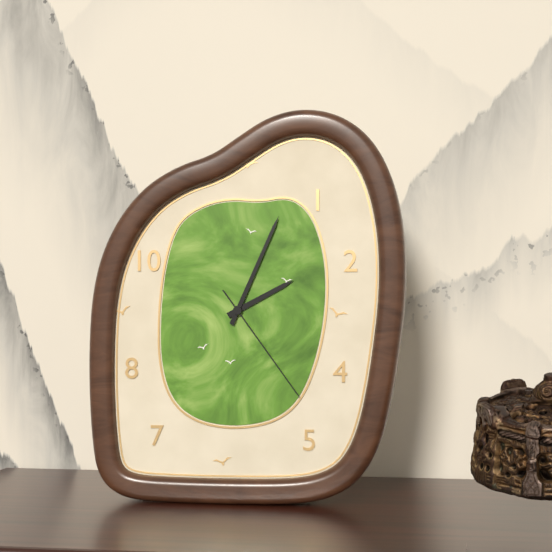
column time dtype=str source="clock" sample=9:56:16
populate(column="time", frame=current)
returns 2:04:24
